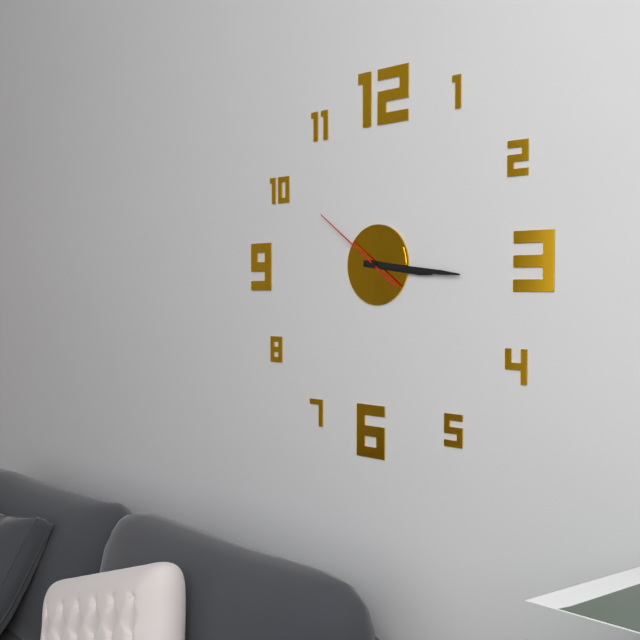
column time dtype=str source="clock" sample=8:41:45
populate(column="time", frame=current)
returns 3:16:51
